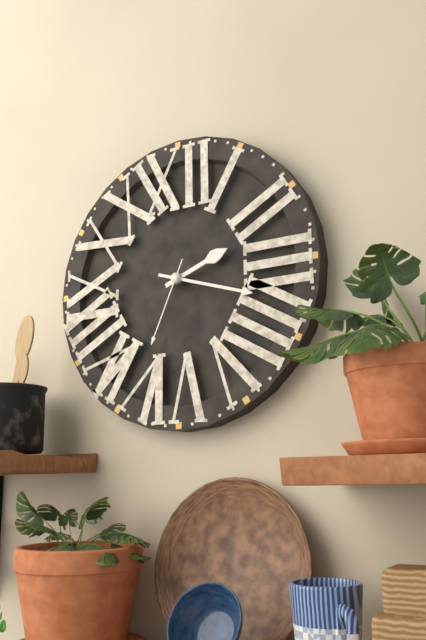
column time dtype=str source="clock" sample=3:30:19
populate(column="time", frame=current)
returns 2:18:34
